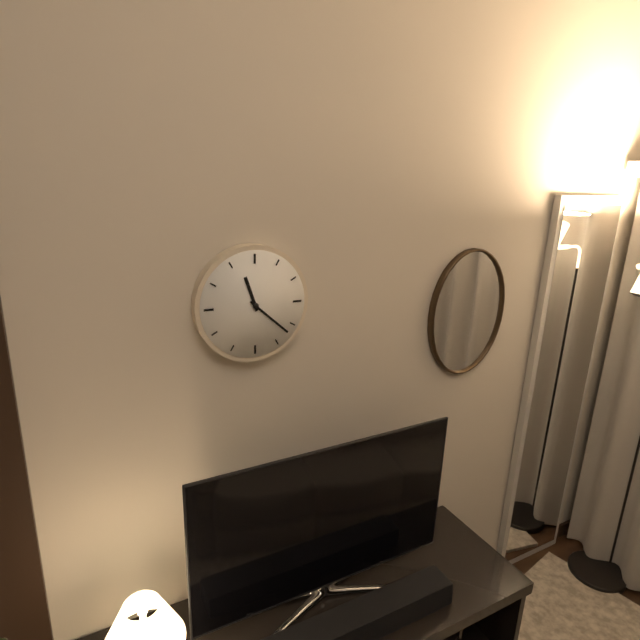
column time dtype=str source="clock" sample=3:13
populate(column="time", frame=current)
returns 11:22
